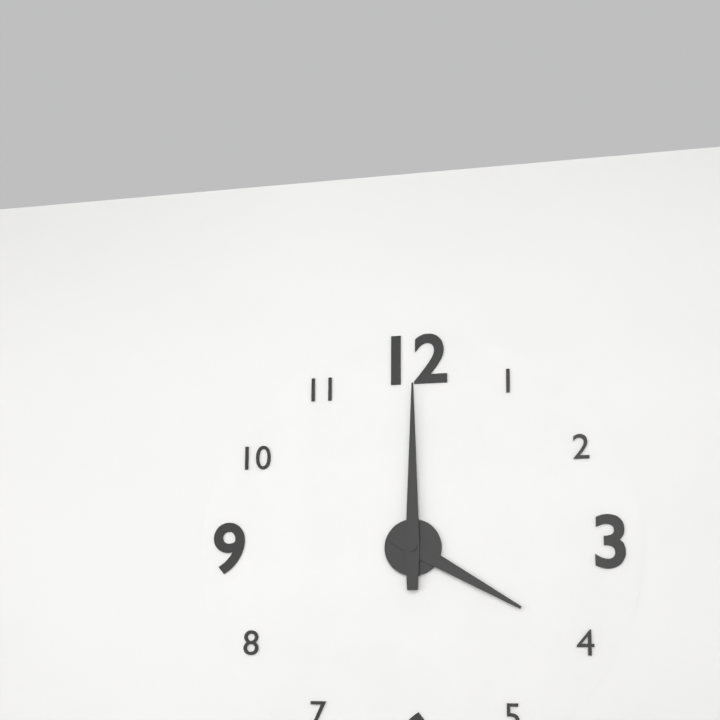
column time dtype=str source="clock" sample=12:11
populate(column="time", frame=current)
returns 4:00
